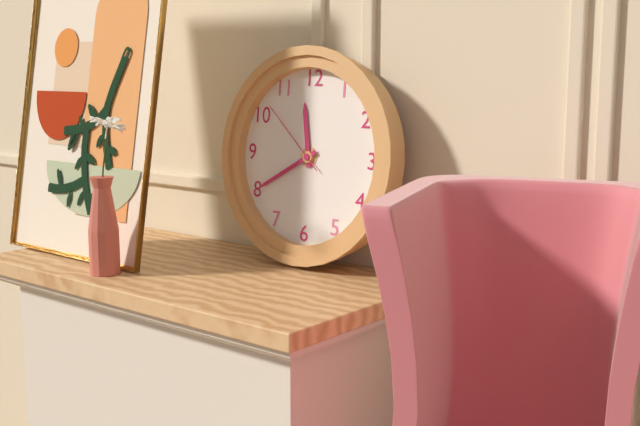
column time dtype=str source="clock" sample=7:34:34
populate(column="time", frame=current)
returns 11:40:52
